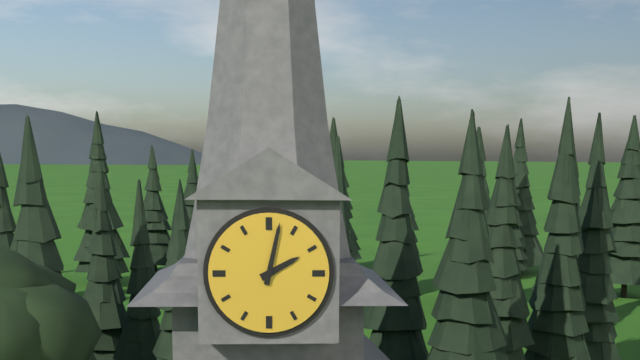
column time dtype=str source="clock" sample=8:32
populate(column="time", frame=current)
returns 2:02
